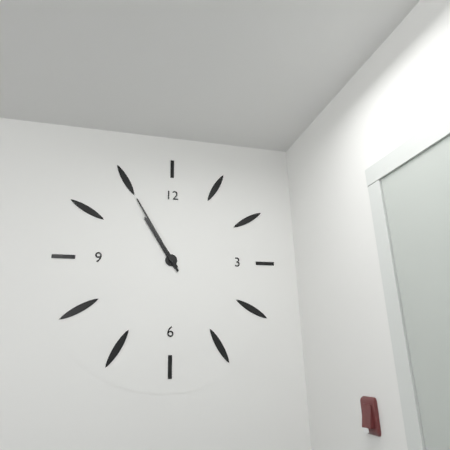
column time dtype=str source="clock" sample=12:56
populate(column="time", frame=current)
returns 10:55
